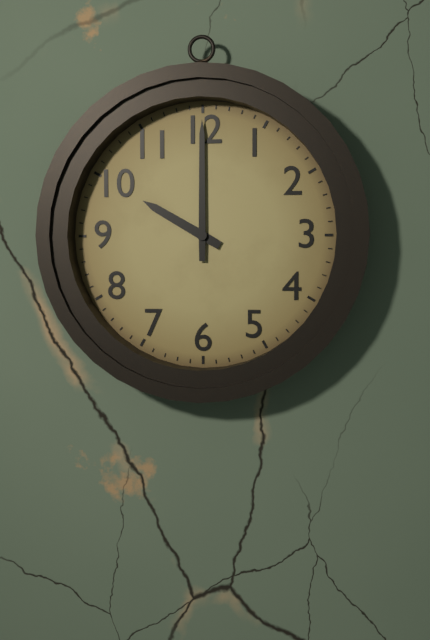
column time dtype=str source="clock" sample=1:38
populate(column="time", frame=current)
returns 10:00
